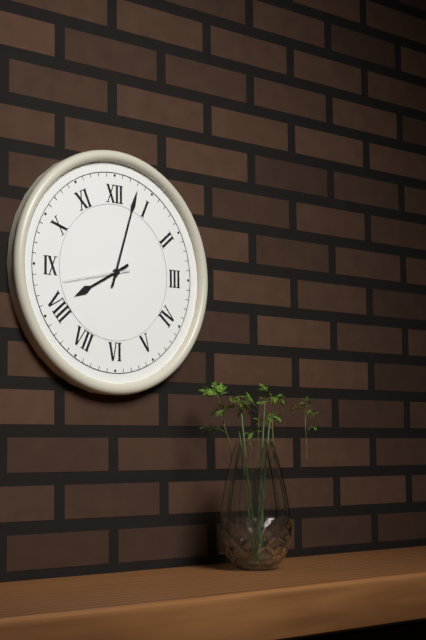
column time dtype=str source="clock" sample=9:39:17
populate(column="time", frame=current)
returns 8:03:43
